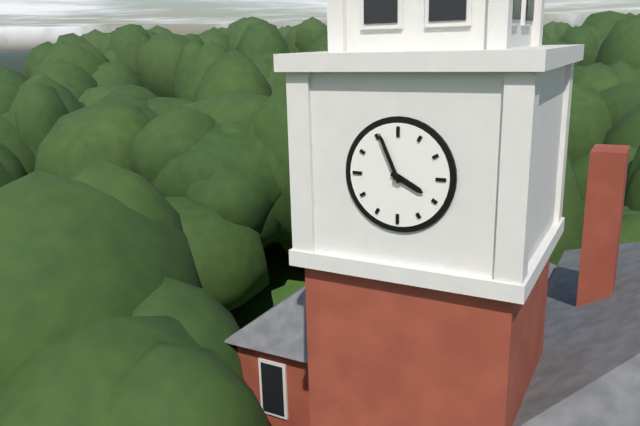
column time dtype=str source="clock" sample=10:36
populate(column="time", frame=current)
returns 3:56
